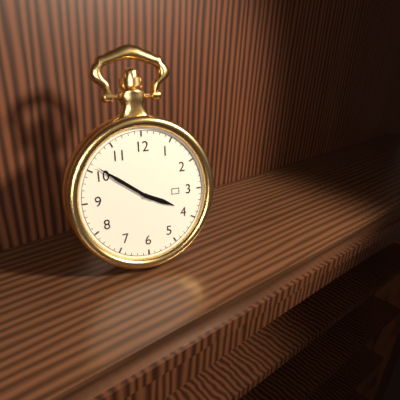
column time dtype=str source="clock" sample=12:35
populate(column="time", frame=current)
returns 3:51
